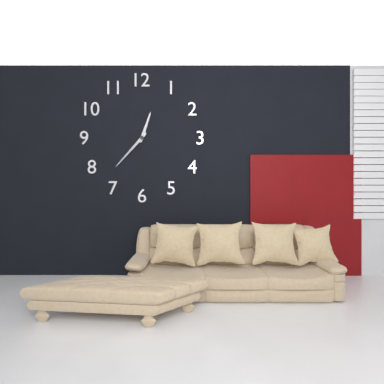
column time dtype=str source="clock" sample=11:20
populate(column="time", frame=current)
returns 12:37
